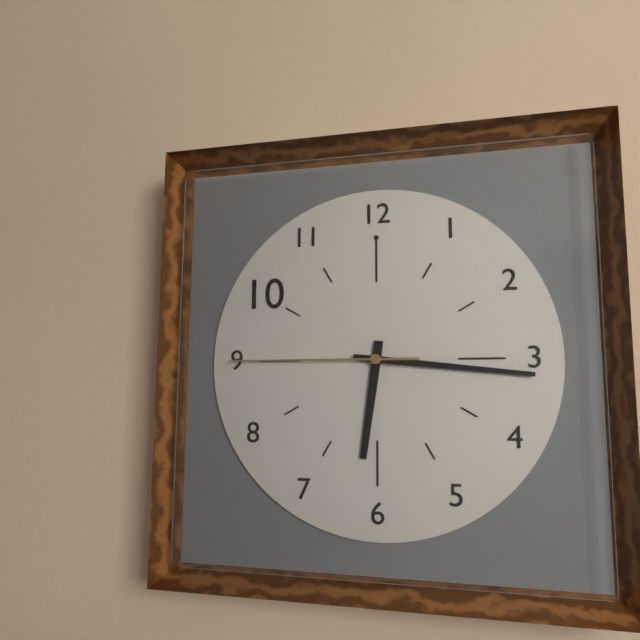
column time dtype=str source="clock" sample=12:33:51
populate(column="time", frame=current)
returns 6:16:45
